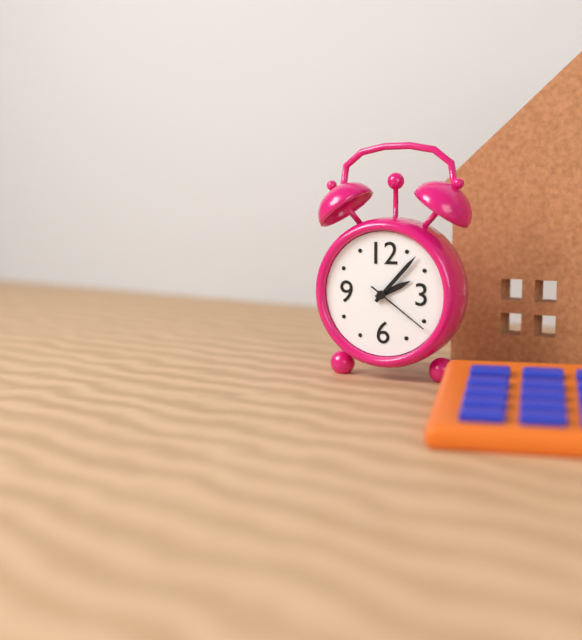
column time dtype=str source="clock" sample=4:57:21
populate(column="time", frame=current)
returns 2:07:21
